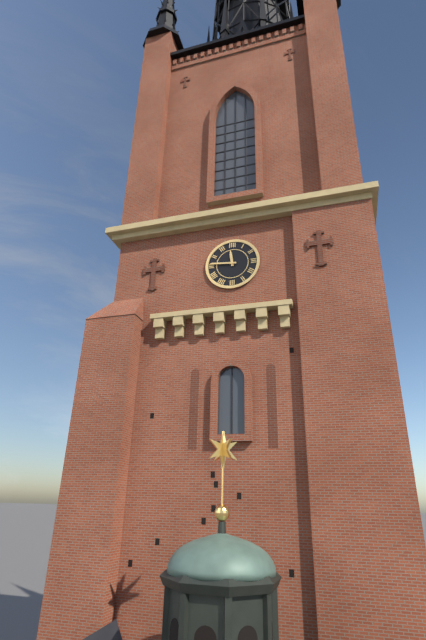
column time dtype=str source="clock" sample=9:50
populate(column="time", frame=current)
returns 11:46
